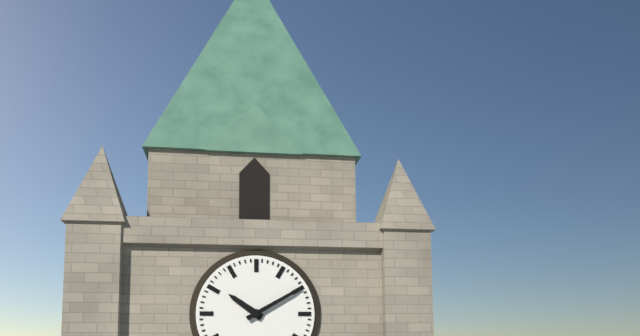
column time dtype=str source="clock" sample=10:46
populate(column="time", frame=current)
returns 10:10
